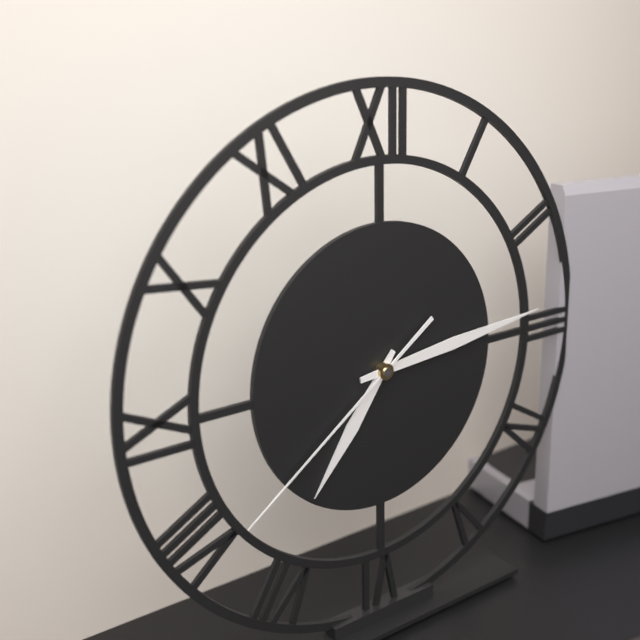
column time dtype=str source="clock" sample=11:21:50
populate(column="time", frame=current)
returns 7:14:39
